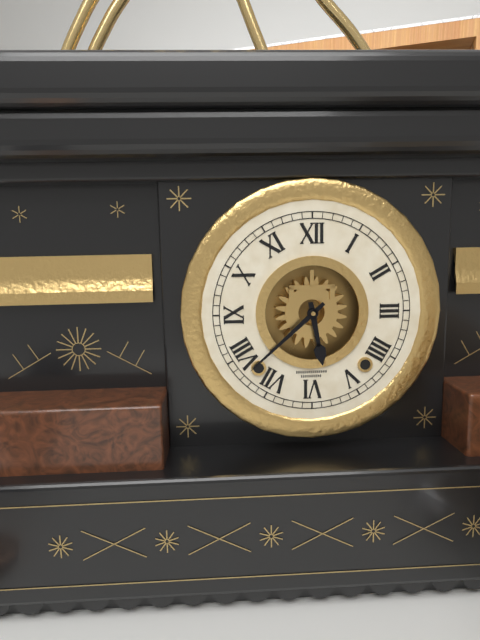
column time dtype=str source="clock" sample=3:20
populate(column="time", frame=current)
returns 5:38
